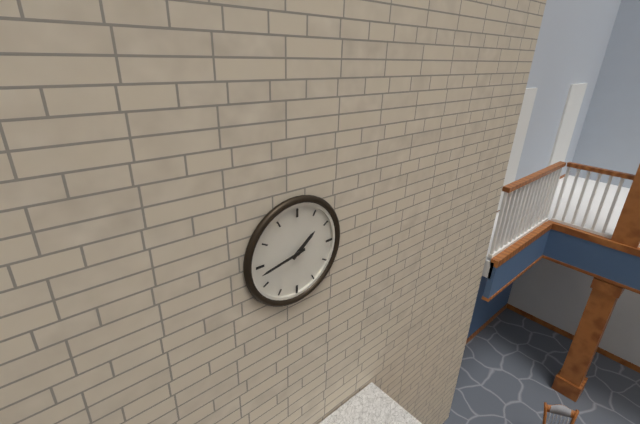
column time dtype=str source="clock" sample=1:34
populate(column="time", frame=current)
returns 1:43
